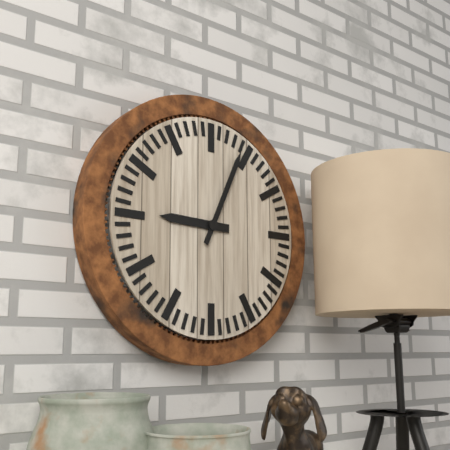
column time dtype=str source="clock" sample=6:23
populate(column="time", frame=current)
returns 9:04
